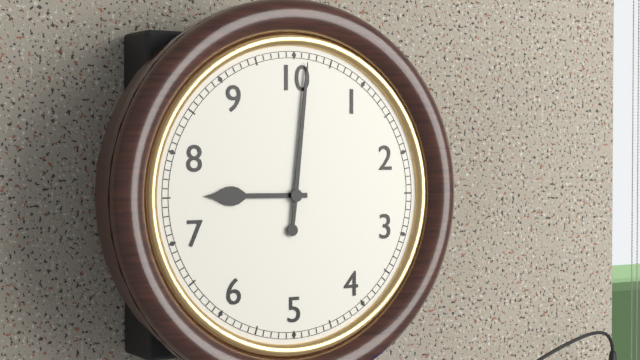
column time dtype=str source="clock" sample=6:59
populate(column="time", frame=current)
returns 9:01
